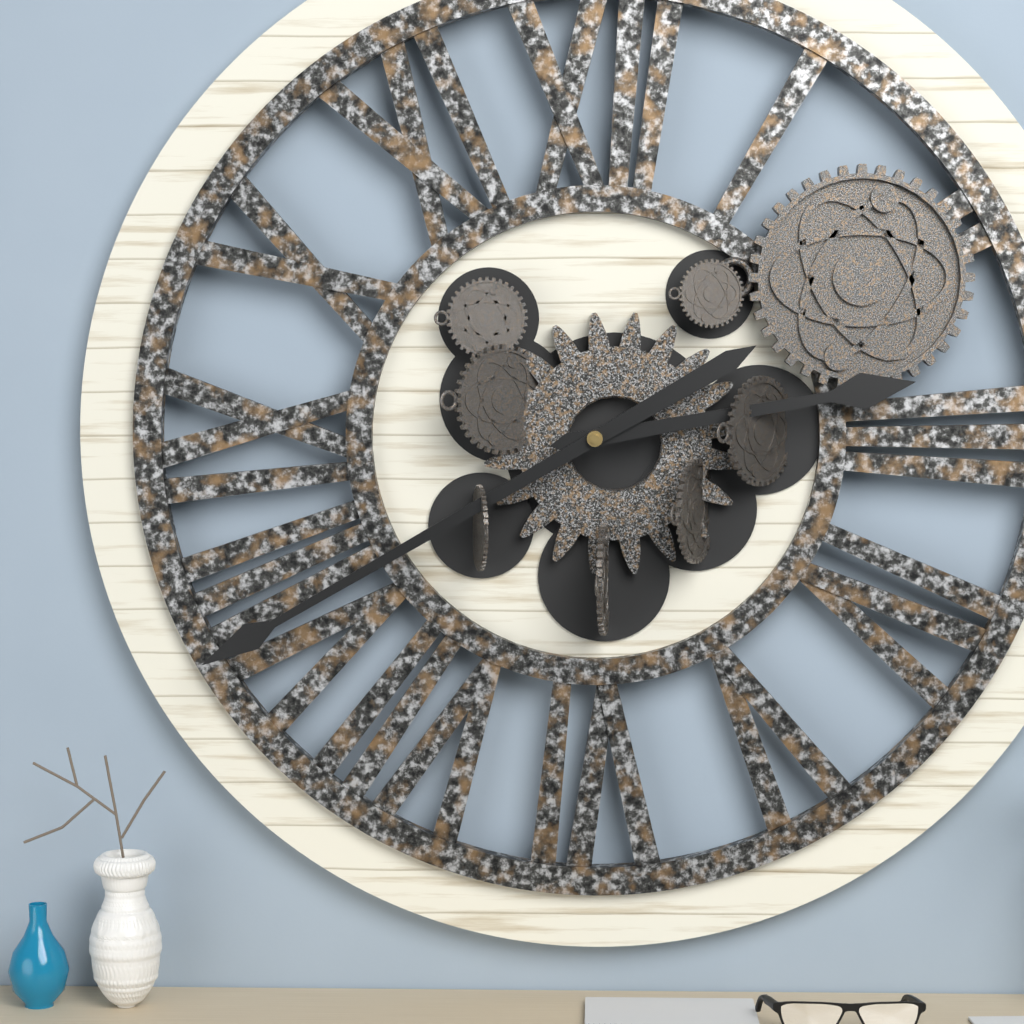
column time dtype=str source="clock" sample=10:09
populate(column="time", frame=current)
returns 2:40
